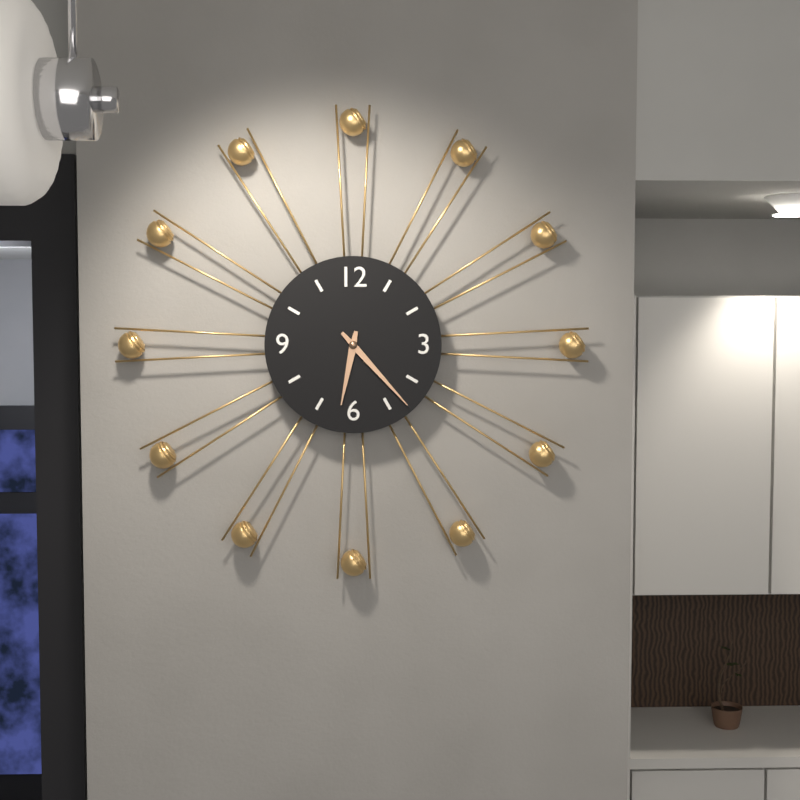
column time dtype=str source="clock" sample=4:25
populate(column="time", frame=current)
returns 6:23
